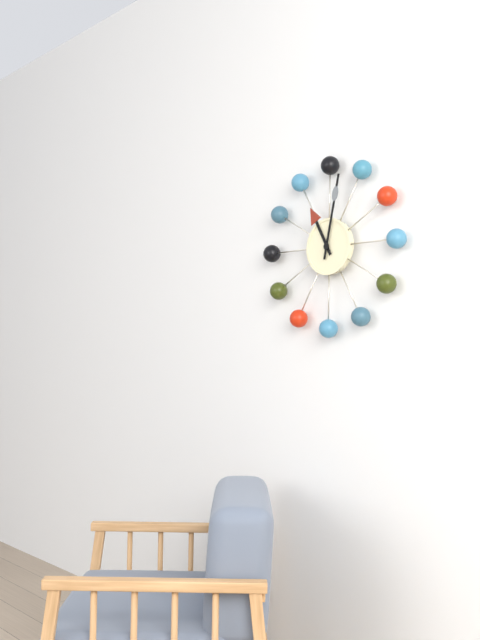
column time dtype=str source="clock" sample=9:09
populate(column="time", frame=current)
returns 11:02
